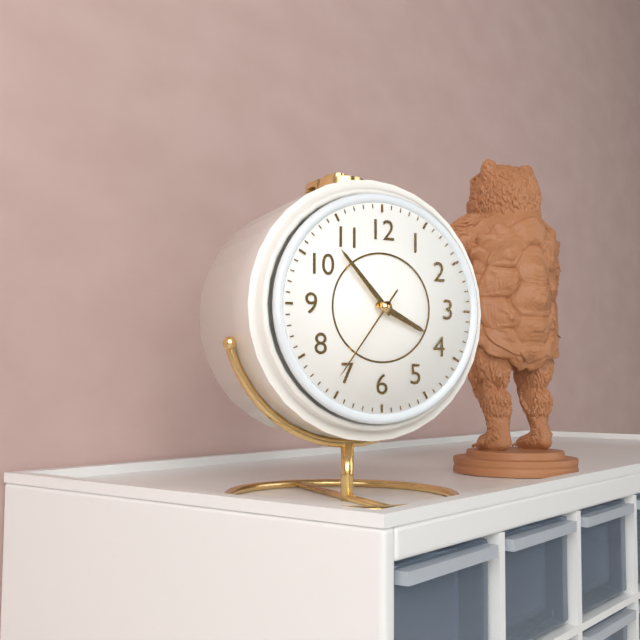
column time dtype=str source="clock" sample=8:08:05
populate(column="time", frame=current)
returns 3:53:36
